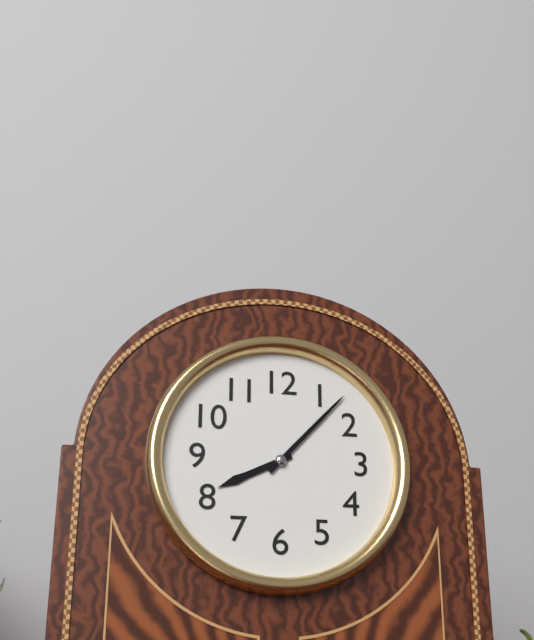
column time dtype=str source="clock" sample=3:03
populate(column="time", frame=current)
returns 8:07
